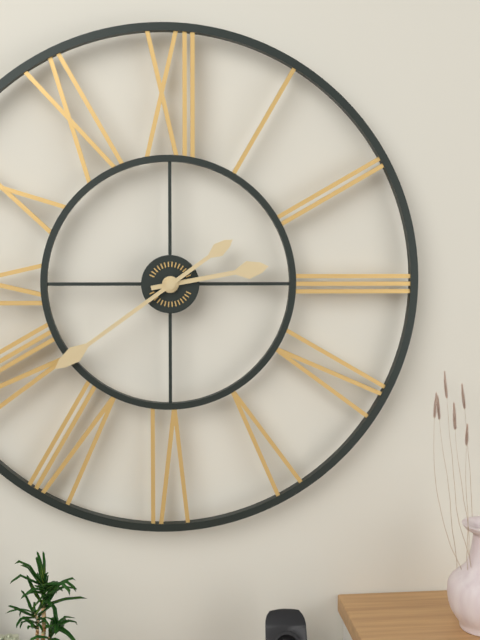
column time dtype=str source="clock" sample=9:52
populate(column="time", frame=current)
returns 2:39
